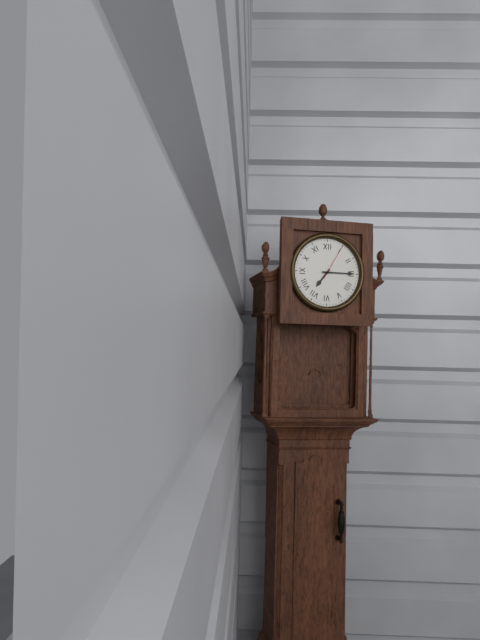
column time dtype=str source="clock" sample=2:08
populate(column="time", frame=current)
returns 7:15
